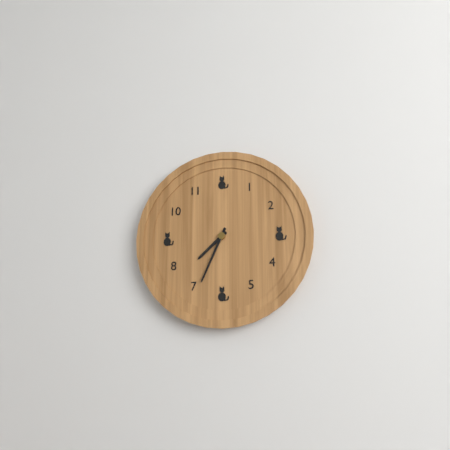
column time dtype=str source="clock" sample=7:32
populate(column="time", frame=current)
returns 7:34
